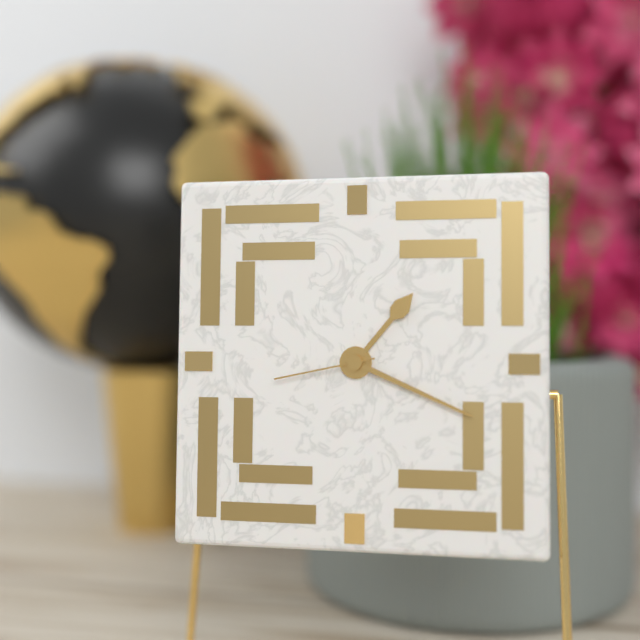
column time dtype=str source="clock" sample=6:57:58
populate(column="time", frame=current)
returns 1:19:43
